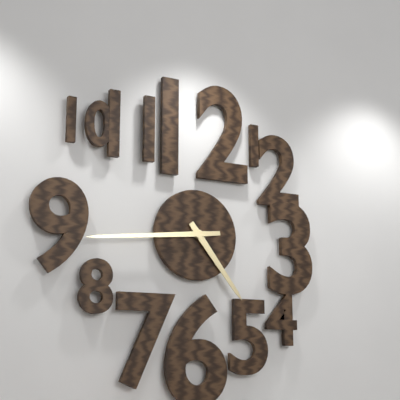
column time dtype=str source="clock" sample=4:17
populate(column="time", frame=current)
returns 4:44
